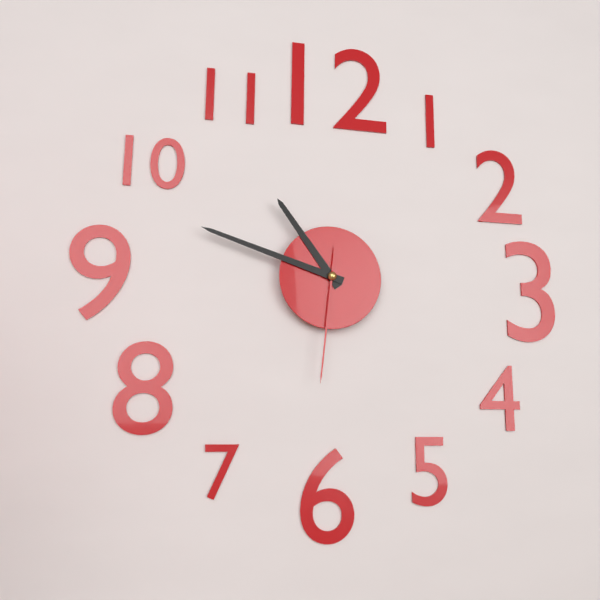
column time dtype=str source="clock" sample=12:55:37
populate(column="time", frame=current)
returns 10:48:31
